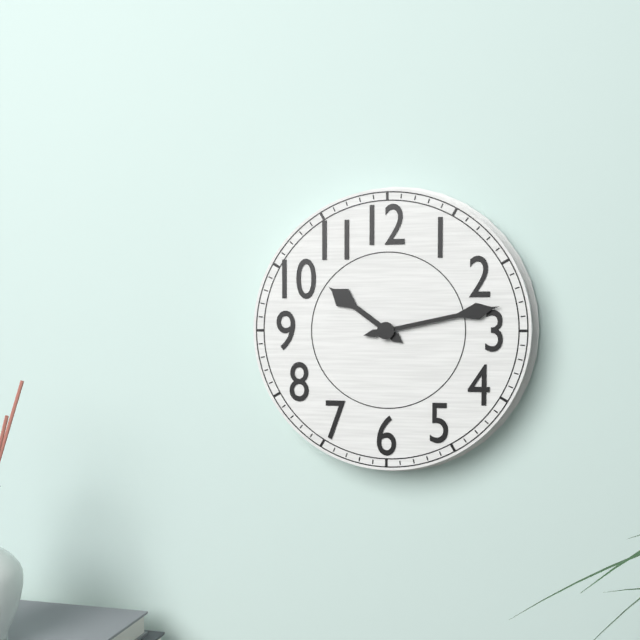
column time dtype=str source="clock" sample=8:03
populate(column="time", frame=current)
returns 10:13
